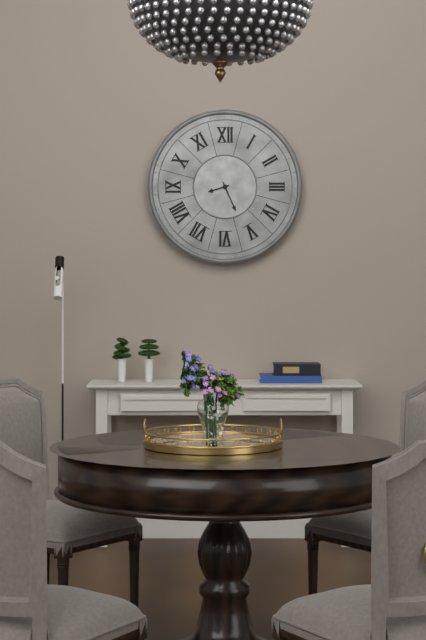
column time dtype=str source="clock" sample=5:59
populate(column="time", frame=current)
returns 8:26
